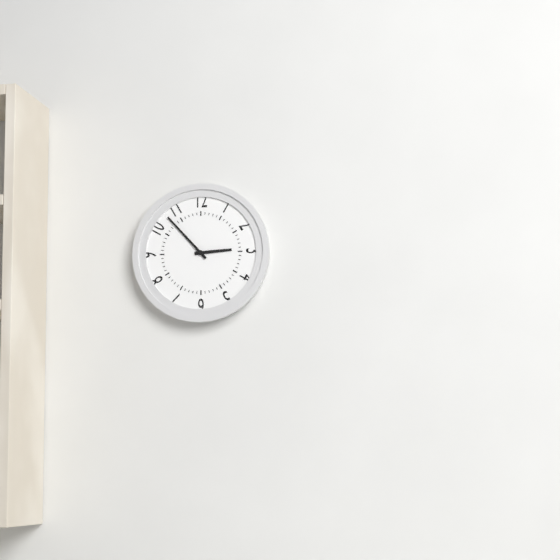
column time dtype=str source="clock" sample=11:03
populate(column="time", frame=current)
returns 2:53
